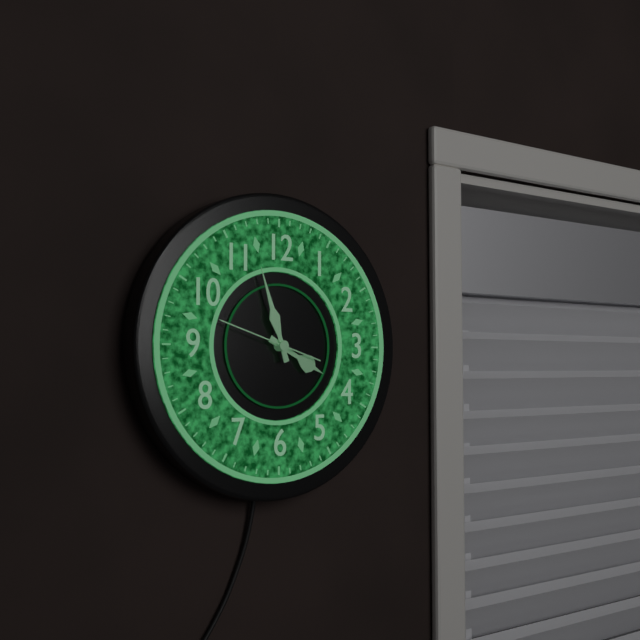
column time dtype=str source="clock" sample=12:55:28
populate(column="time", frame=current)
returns 3:57:48
